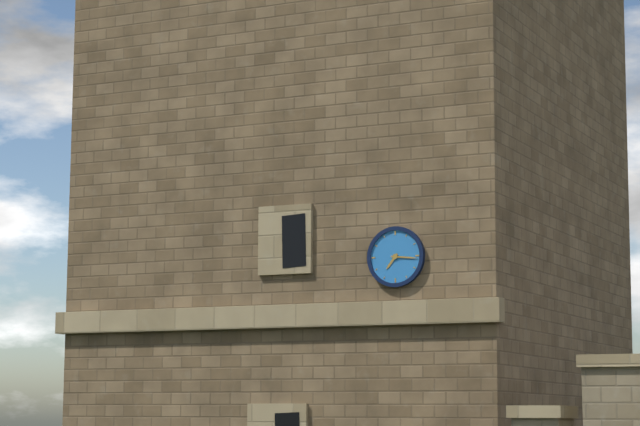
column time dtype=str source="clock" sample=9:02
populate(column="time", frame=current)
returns 7:16
